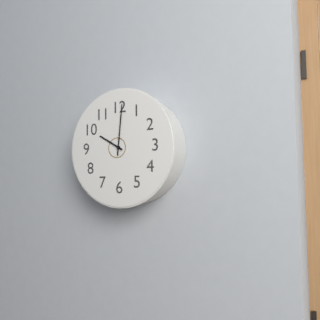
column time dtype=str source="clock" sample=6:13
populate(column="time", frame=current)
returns 10:01
